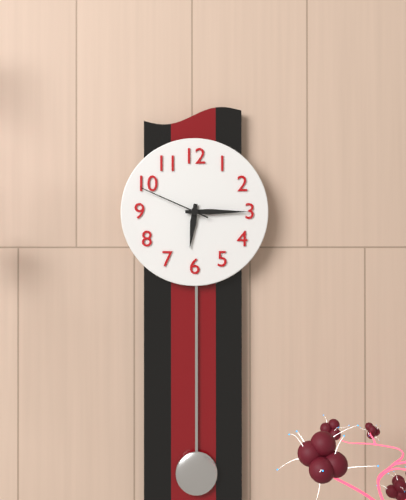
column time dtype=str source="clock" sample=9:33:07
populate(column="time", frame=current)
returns 6:15:49
